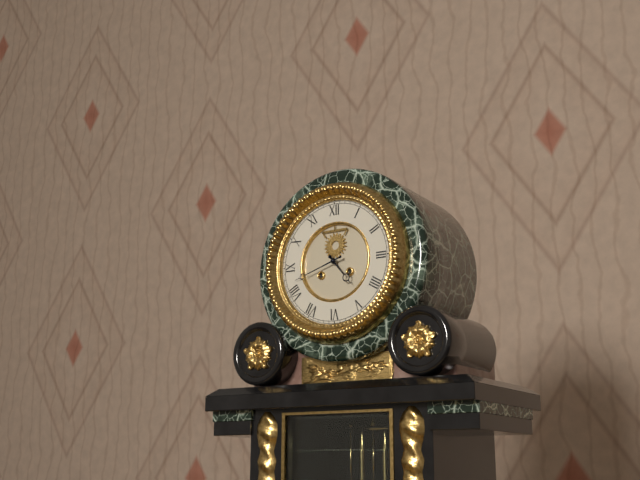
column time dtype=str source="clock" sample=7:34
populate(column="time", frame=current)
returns 4:42
